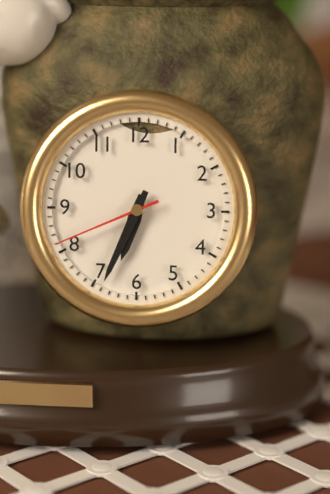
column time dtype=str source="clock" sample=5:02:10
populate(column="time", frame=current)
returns 6:34:41
